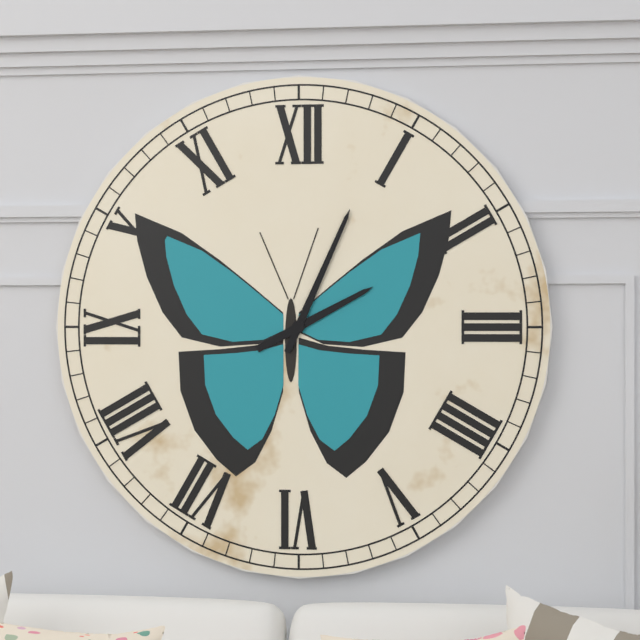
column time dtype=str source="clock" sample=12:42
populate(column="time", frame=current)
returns 2:04
